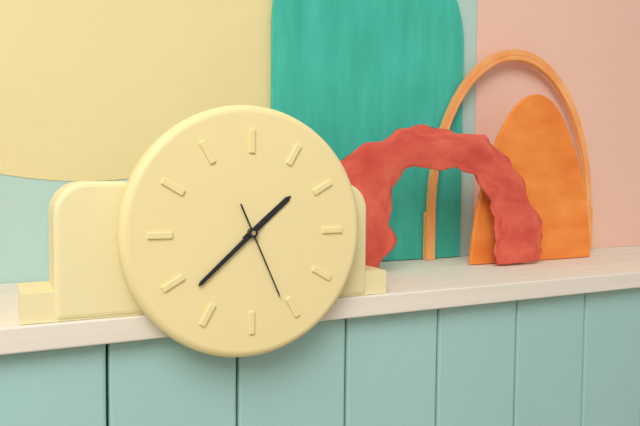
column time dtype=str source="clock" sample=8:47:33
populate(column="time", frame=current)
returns 1:38:26
